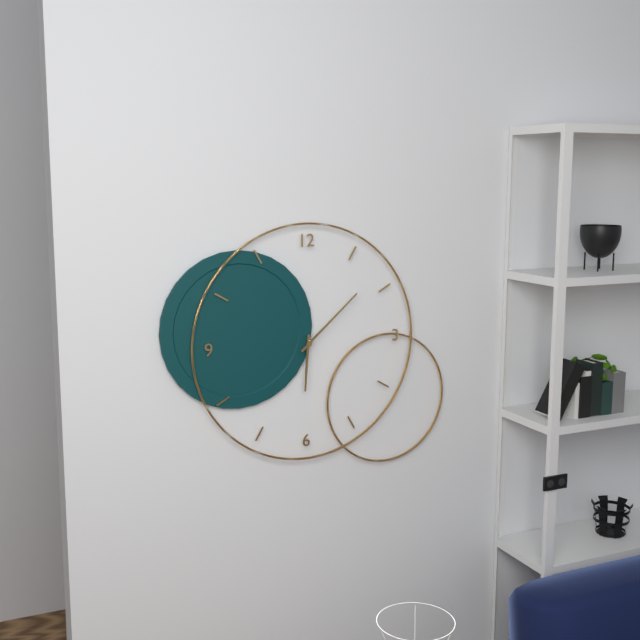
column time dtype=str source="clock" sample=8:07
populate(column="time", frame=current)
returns 6:08
